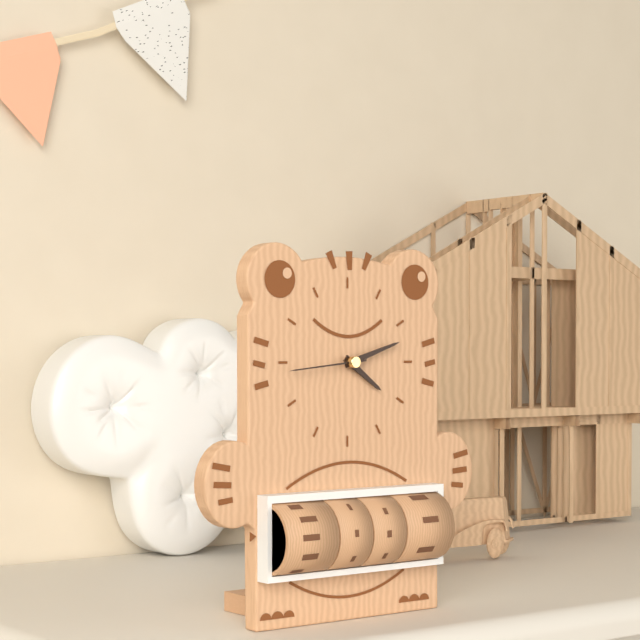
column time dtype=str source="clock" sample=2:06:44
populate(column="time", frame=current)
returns 4:12:44
